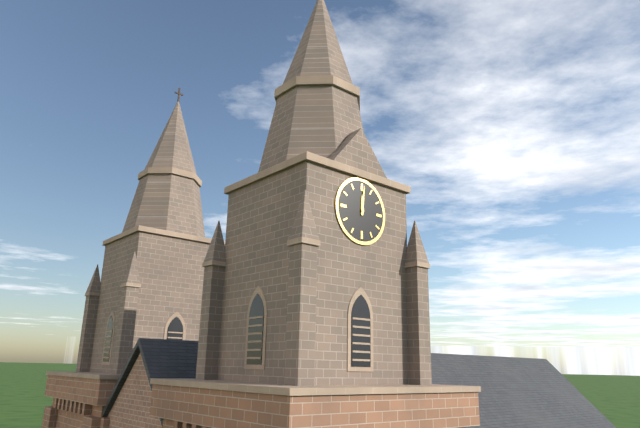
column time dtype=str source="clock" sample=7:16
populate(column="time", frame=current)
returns 12:01
